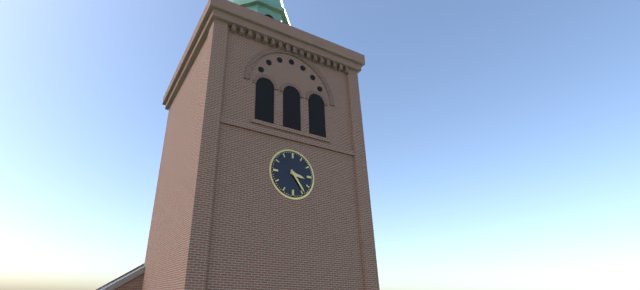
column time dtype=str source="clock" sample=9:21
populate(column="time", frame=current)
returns 3:24
